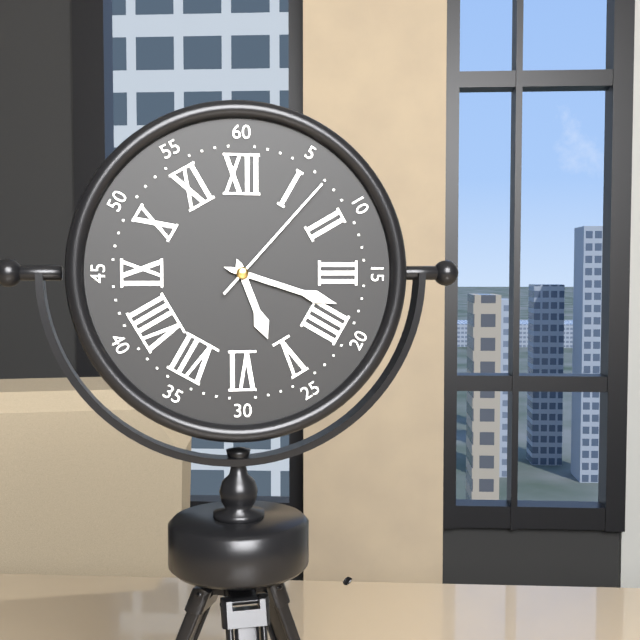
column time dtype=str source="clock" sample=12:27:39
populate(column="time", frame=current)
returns 5:18:07
